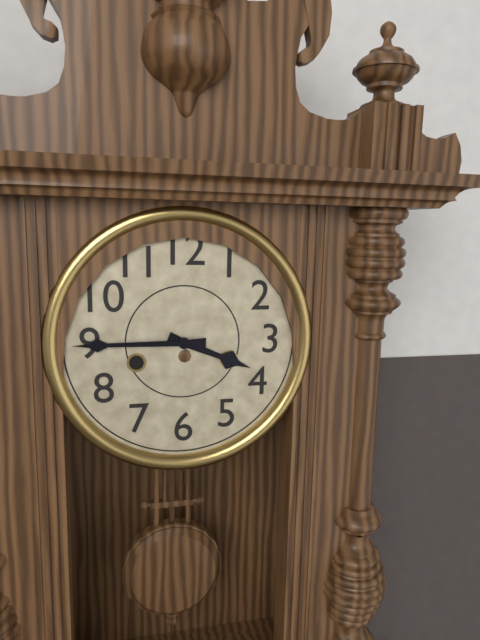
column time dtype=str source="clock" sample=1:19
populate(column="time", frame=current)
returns 3:45
